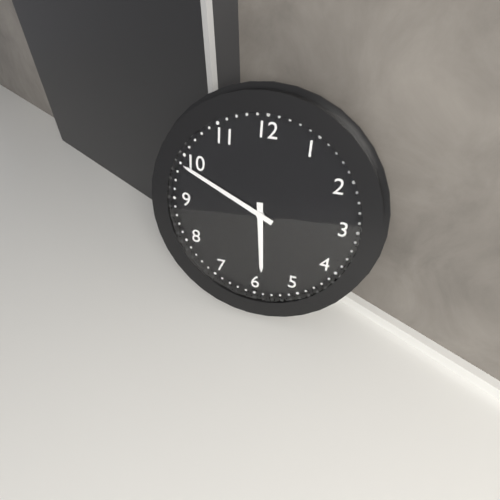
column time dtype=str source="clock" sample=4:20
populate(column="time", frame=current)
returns 5:49
